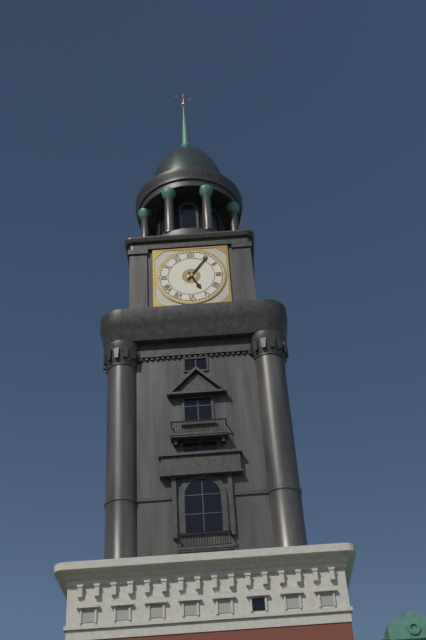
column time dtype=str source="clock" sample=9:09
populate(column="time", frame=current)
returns 5:06
